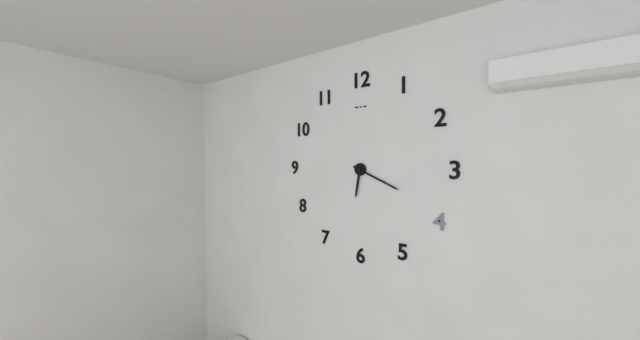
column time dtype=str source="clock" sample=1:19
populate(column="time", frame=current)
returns 6:19
